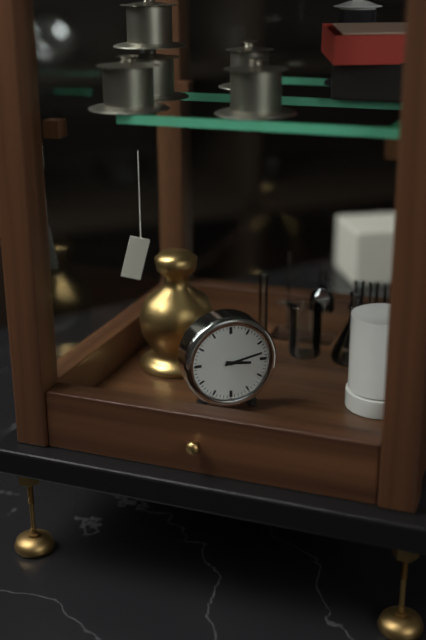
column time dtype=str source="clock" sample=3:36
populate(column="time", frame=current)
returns 3:13
